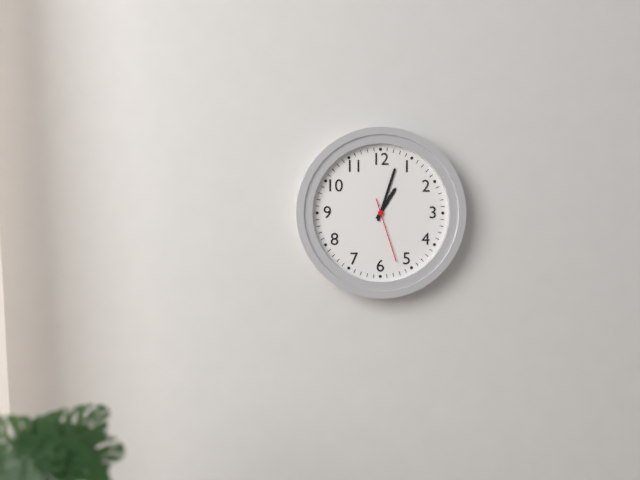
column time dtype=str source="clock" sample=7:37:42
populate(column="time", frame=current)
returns 1:03:27
